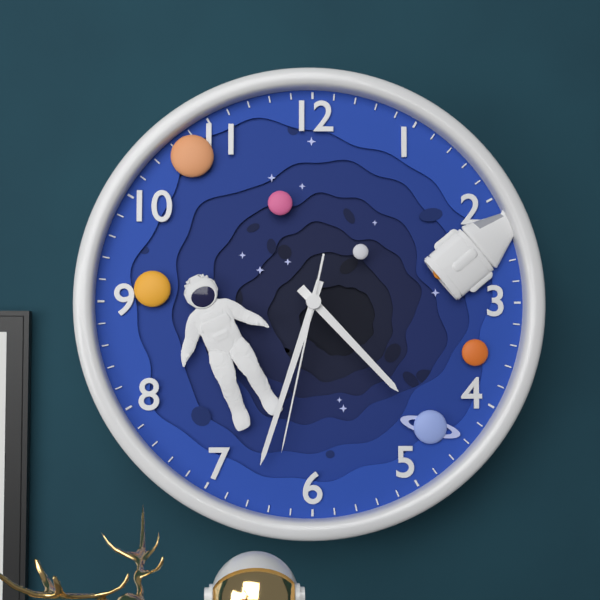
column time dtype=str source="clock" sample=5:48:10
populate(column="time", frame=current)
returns 4:33:32
